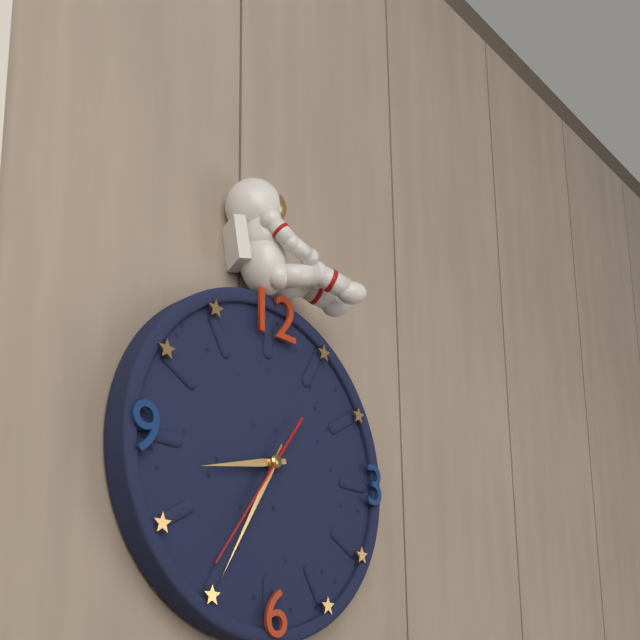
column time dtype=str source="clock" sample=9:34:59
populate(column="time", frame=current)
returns 8:35:36
